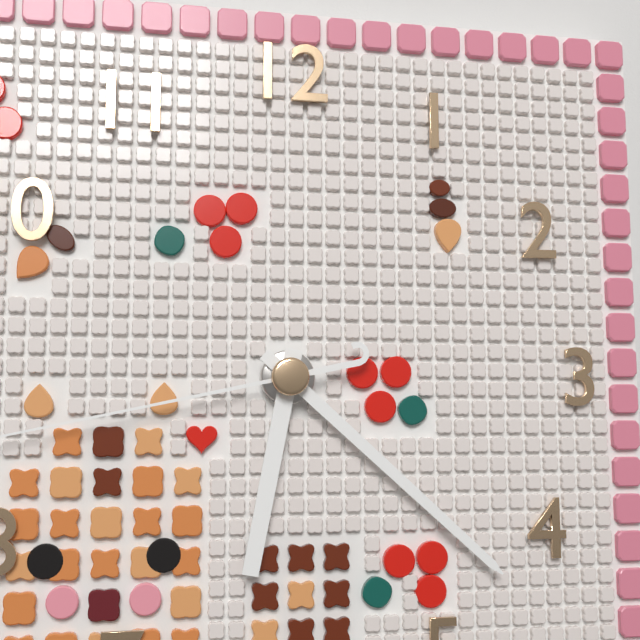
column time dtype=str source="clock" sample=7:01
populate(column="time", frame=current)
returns 6:22
